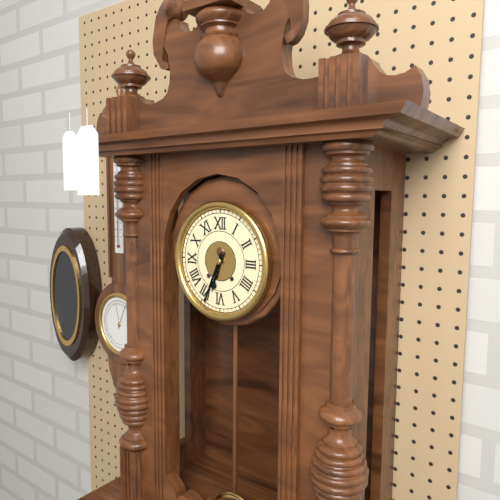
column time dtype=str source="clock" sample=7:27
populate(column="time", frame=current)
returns 6:34
